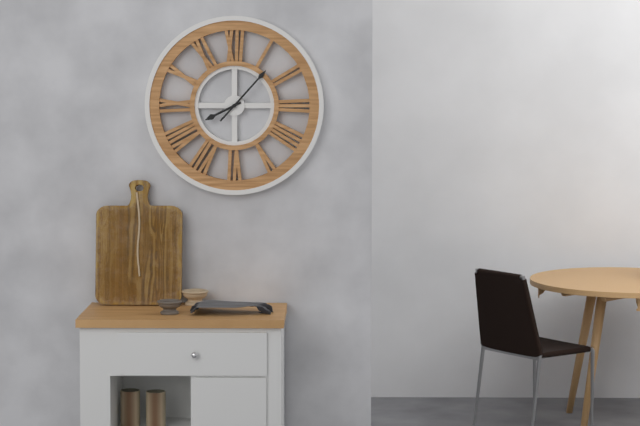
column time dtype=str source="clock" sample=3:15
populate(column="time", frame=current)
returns 8:07
